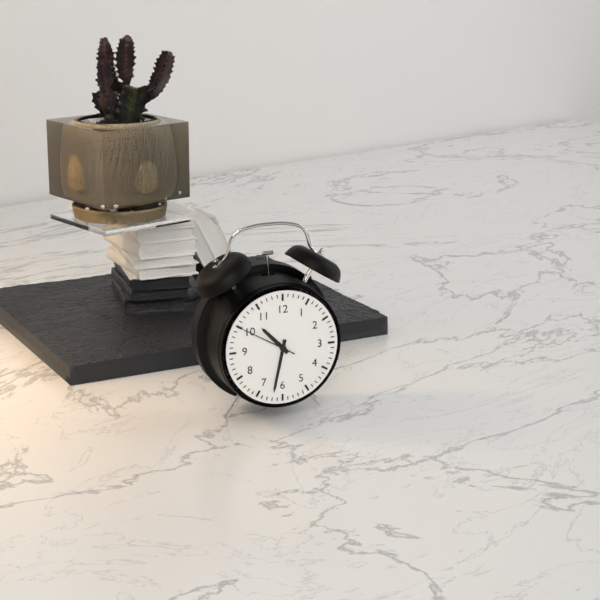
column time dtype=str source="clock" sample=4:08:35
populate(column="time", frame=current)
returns 10:32:50
